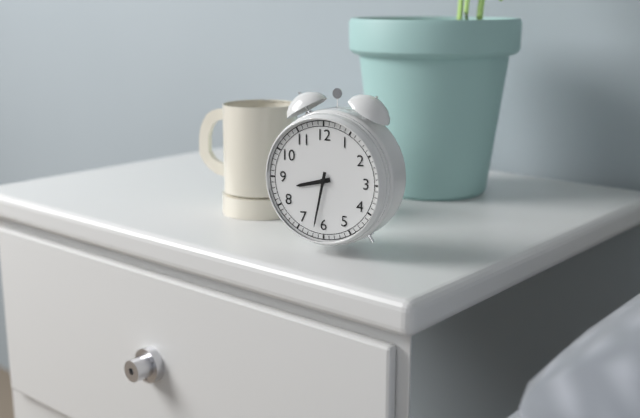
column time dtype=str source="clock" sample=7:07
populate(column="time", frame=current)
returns 8:32
